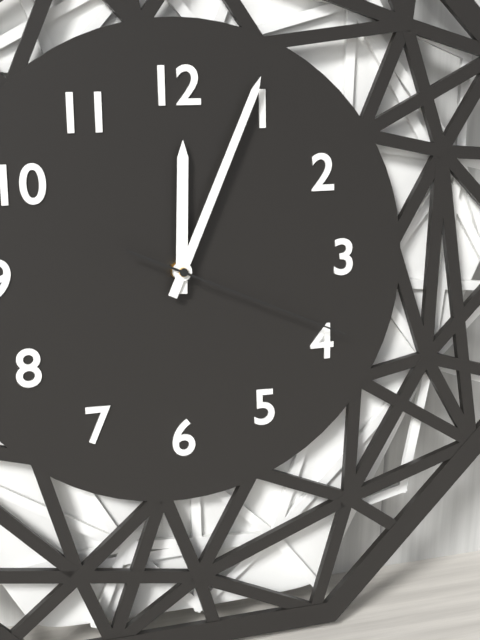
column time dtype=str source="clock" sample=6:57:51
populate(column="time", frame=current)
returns 12:04:19
